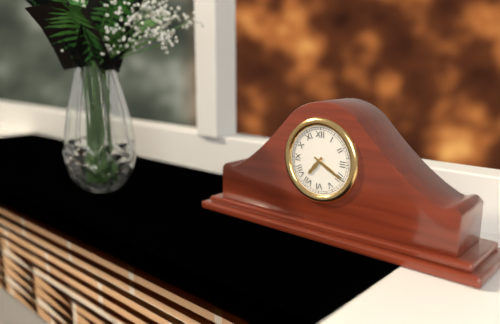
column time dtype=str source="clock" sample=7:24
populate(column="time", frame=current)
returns 7:20
